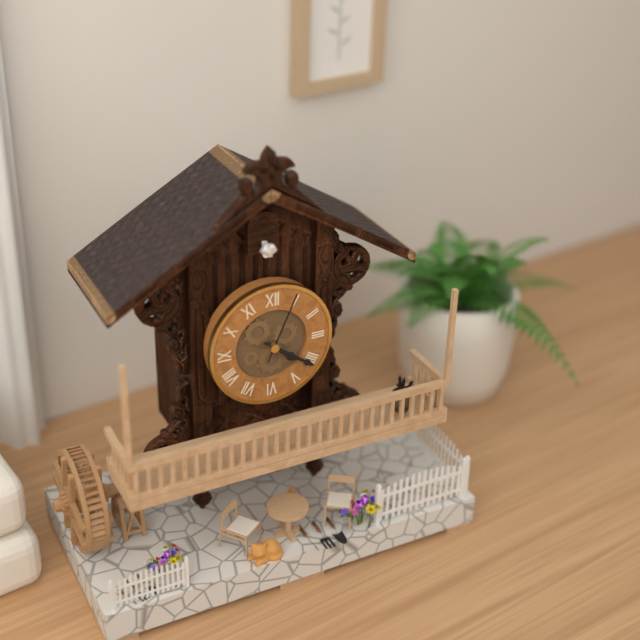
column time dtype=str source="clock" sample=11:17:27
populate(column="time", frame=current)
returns 4:21:04
